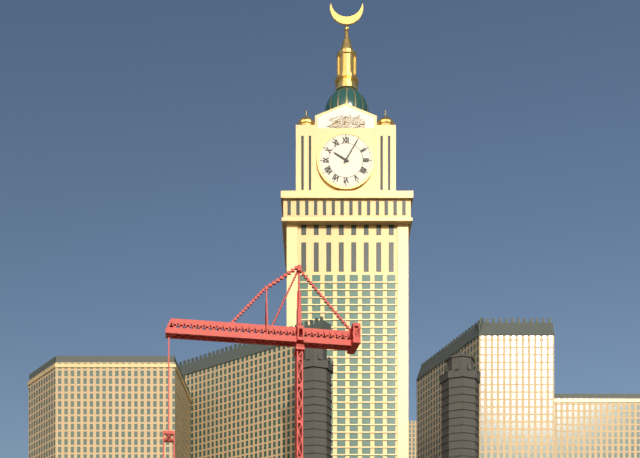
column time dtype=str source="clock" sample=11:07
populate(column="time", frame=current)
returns 10:05
